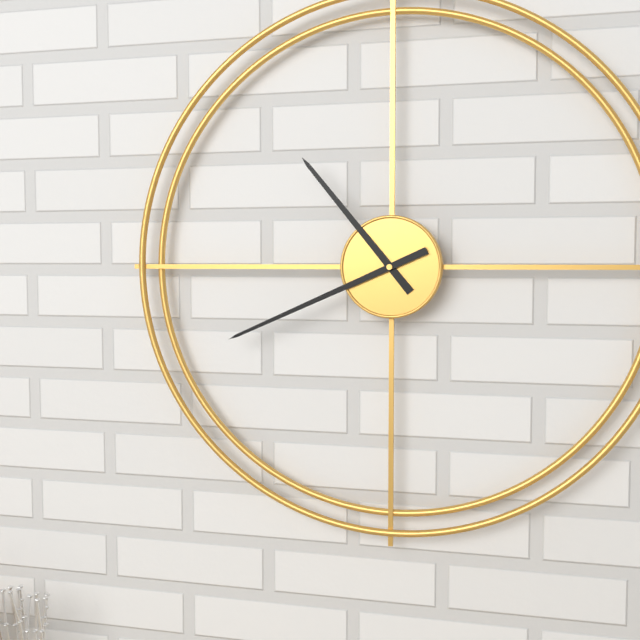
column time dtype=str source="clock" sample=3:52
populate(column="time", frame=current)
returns 10:41
